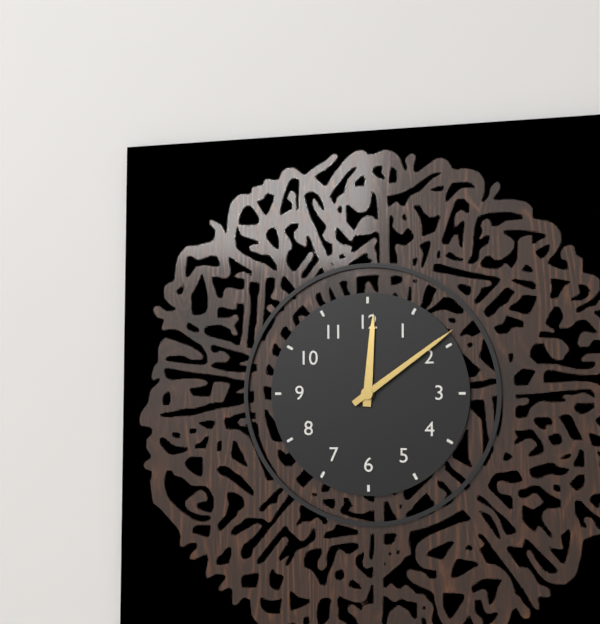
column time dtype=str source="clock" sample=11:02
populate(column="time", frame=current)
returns 12:09
